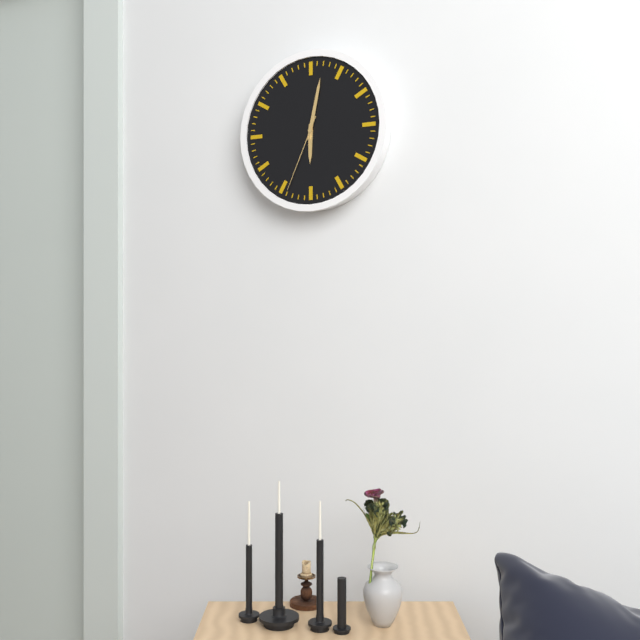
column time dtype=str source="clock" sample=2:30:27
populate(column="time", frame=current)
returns 6:02:34
